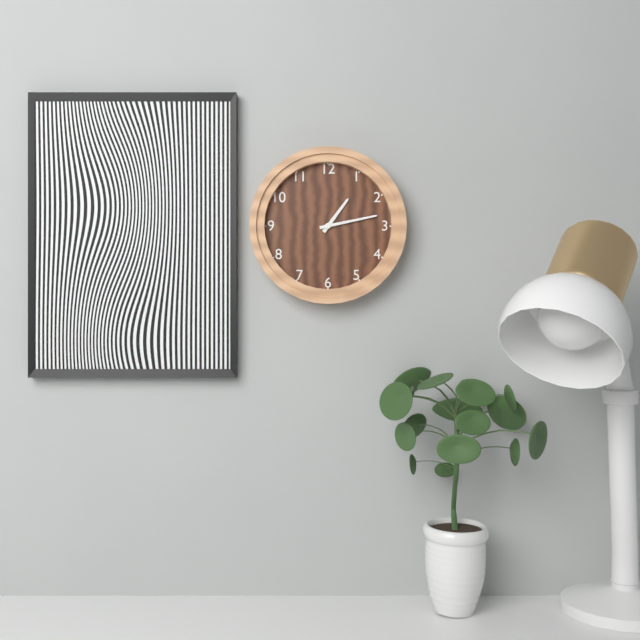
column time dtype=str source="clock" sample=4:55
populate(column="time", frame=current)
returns 1:13
